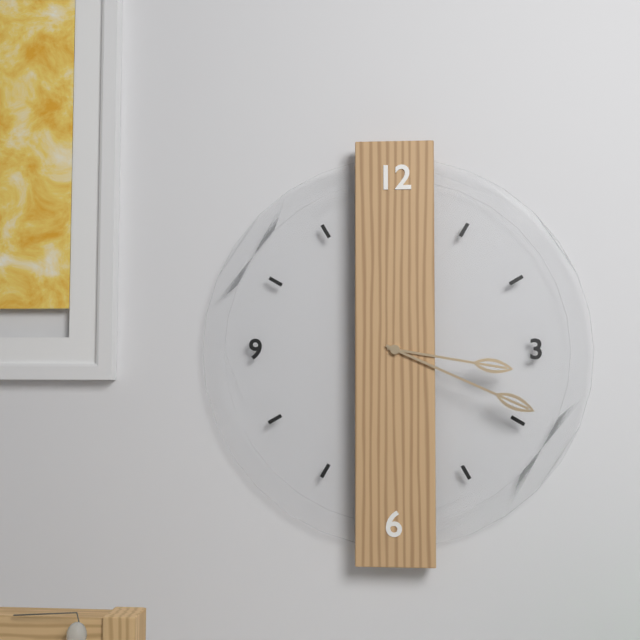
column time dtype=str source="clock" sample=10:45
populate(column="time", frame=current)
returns 3:19
